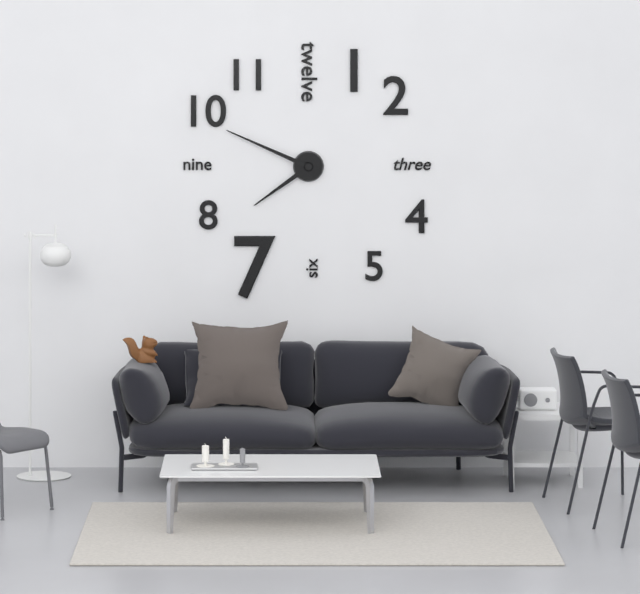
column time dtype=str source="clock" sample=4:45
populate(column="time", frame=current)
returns 7:49
